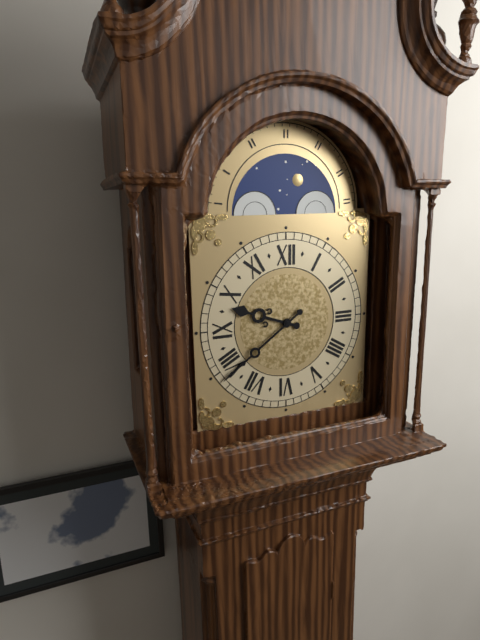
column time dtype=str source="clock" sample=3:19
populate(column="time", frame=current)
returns 9:39
